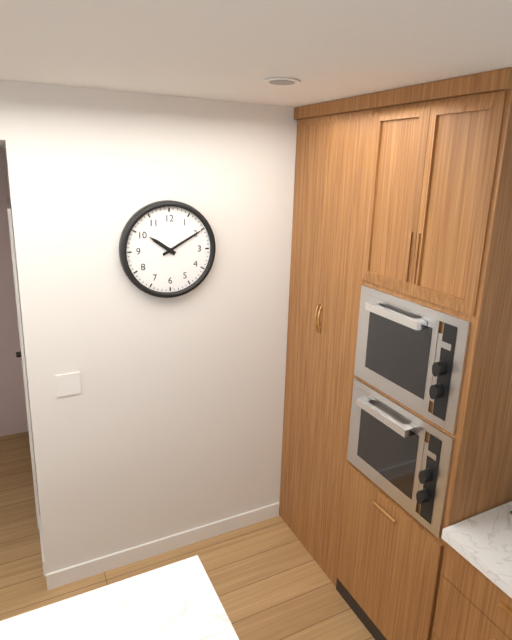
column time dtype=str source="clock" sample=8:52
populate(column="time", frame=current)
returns 10:10
